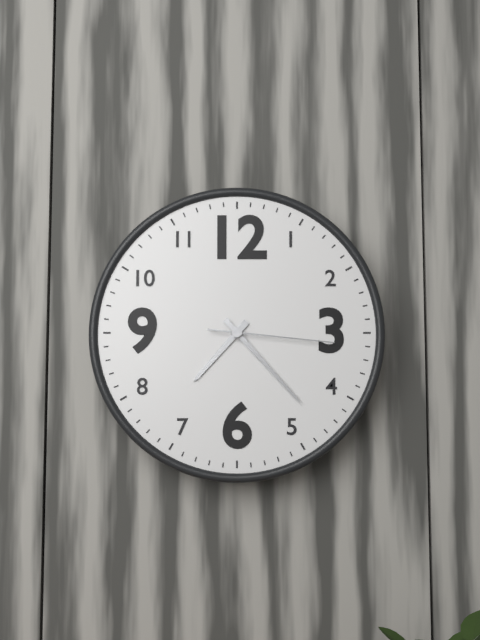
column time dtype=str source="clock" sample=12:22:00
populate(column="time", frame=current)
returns 7:23:16
